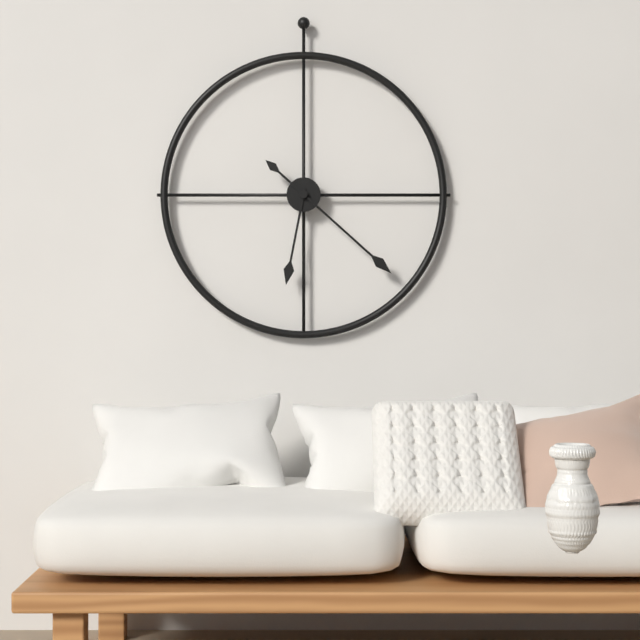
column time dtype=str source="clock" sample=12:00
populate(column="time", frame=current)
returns 6:22
